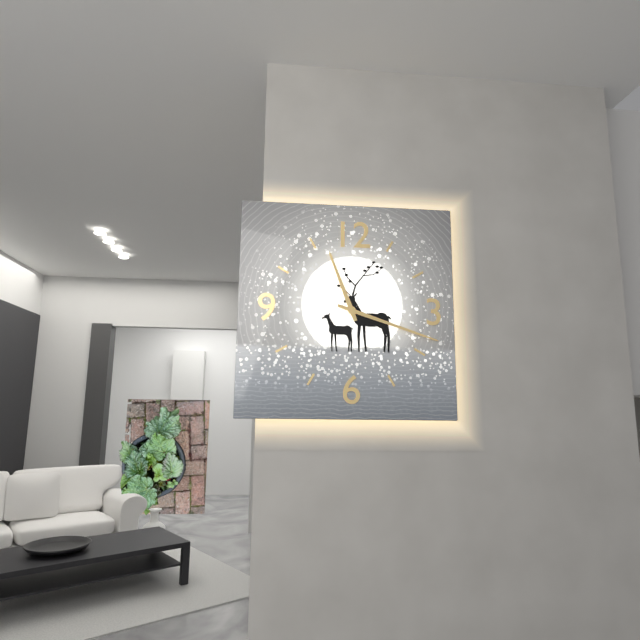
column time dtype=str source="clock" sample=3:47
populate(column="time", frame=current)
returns 11:18
